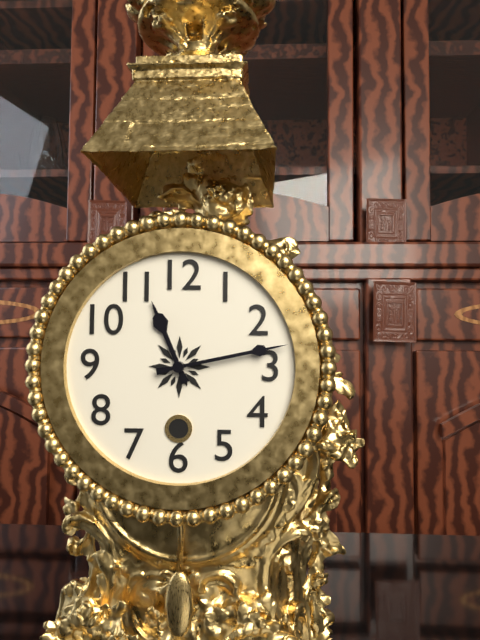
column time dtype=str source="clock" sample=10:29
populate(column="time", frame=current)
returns 11:13
